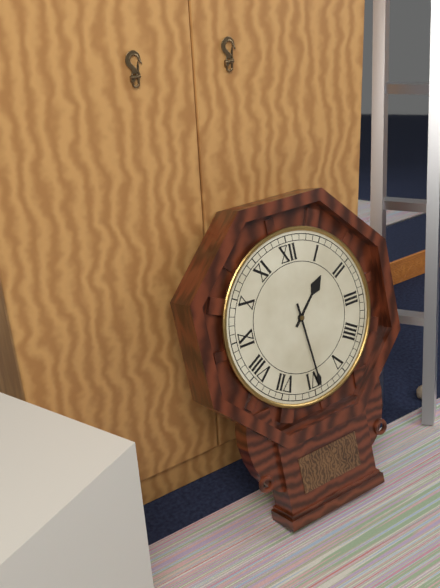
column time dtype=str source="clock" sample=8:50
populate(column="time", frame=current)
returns 1:29
